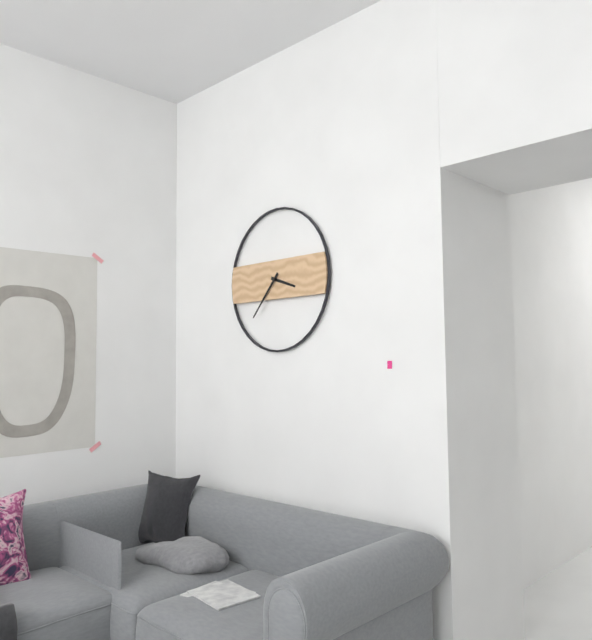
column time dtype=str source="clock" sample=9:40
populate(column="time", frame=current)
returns 3:37
